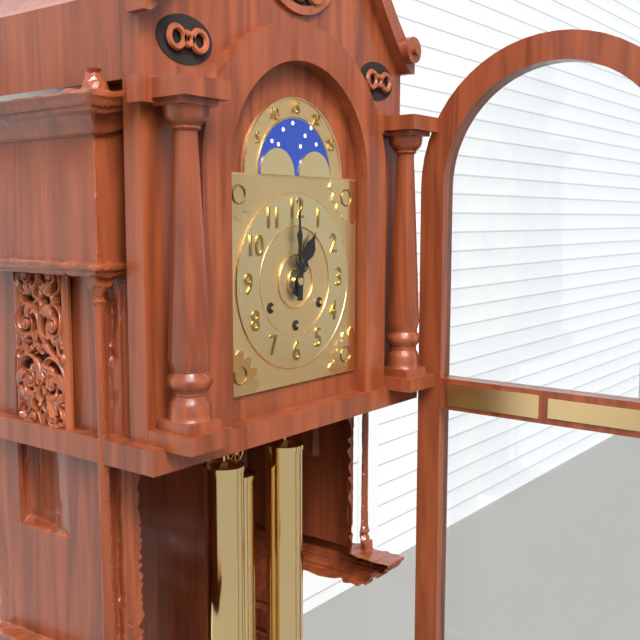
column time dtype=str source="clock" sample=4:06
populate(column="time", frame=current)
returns 1:00
